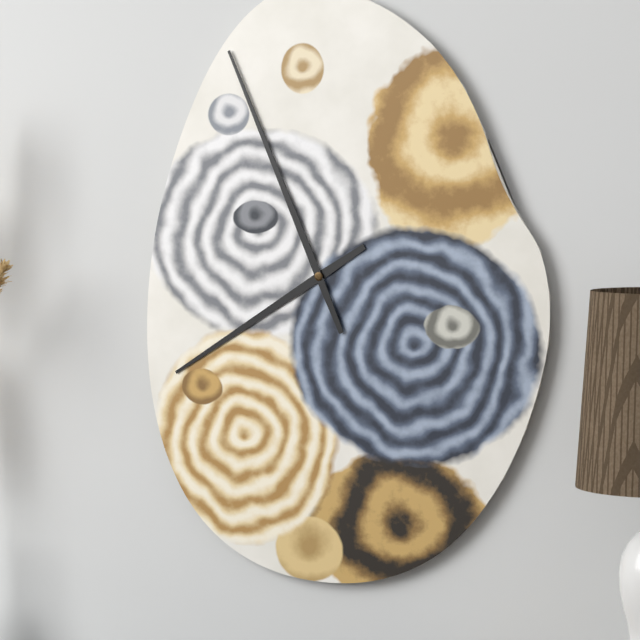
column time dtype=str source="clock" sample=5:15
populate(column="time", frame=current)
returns 7:56
